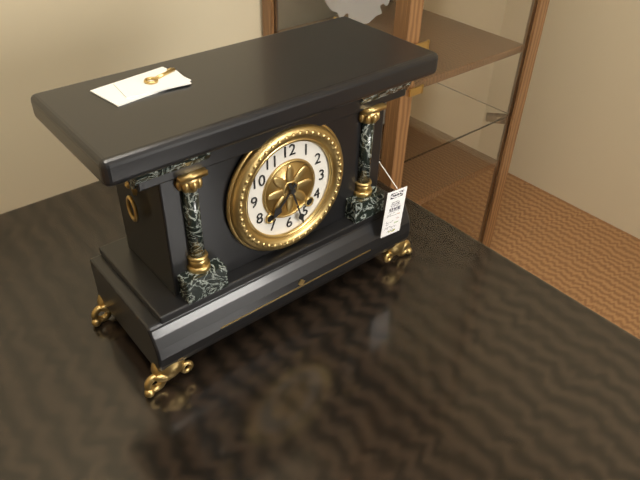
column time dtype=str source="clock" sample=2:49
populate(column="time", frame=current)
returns 7:27
